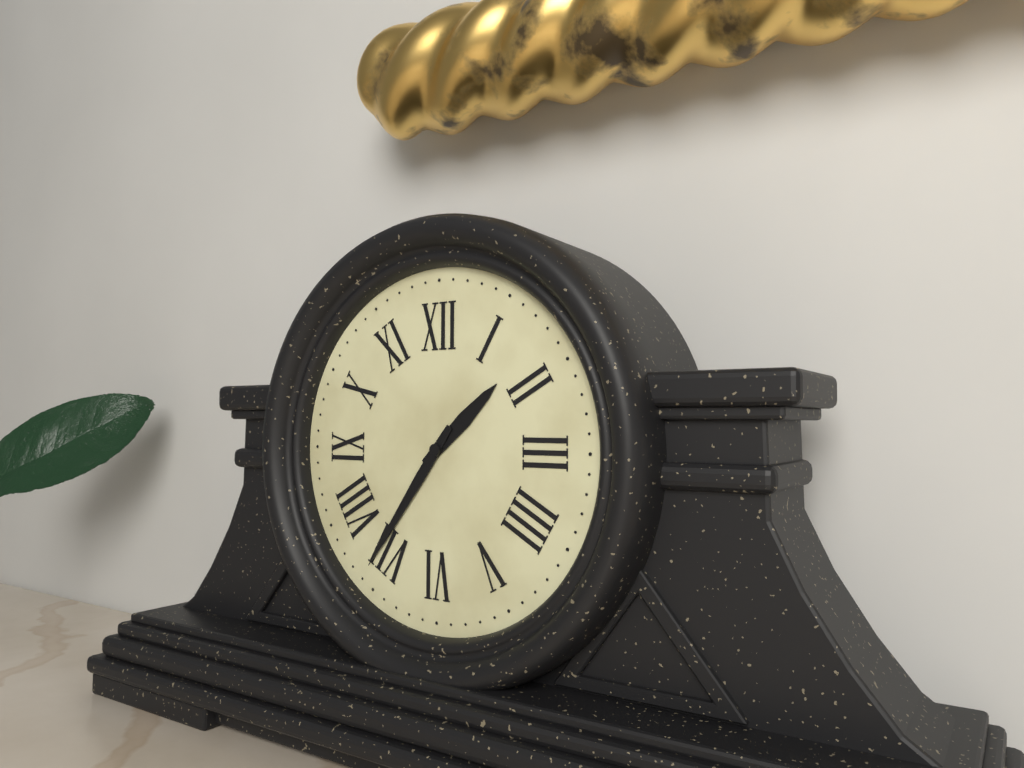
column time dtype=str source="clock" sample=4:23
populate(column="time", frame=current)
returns 1:36
